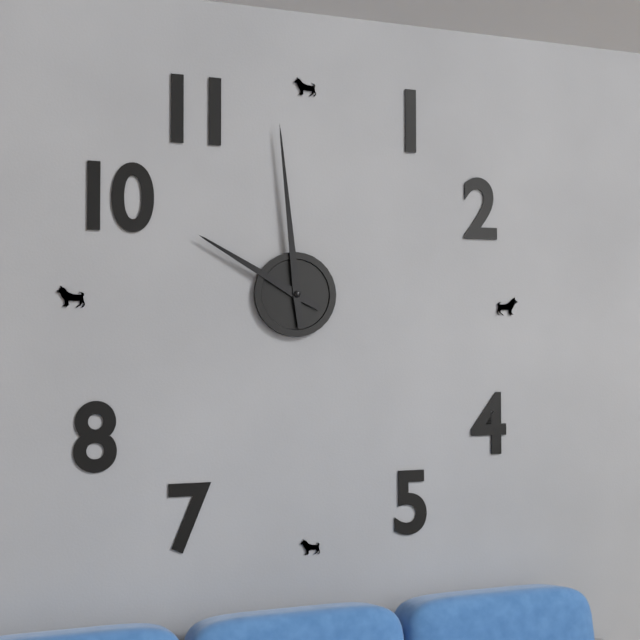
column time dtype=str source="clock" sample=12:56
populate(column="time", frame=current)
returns 9:59
